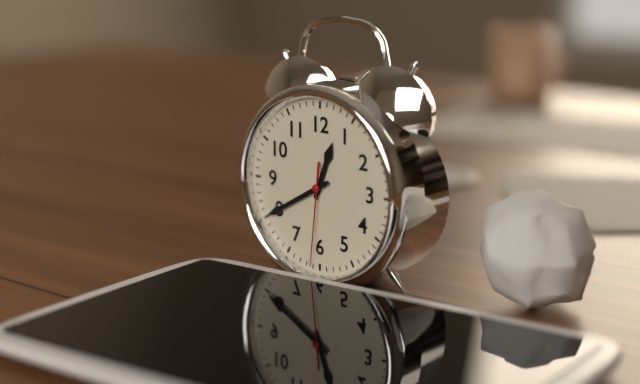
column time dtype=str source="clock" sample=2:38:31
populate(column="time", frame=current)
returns 12:40:31
